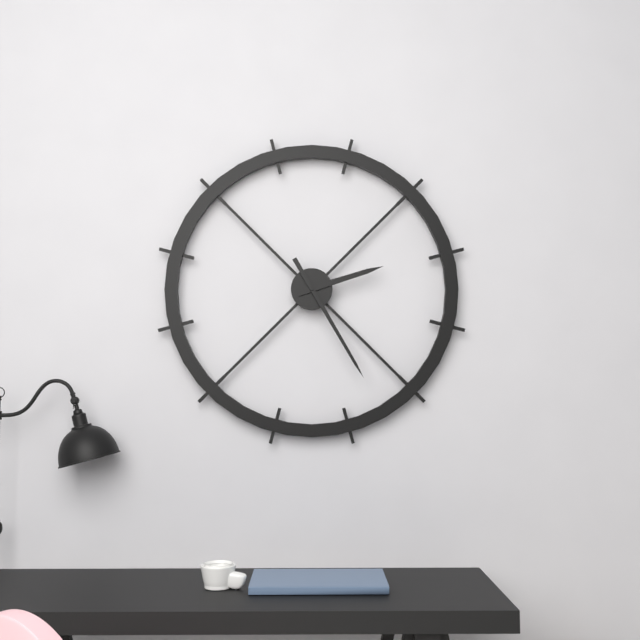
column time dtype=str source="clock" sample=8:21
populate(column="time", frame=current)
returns 2:25
